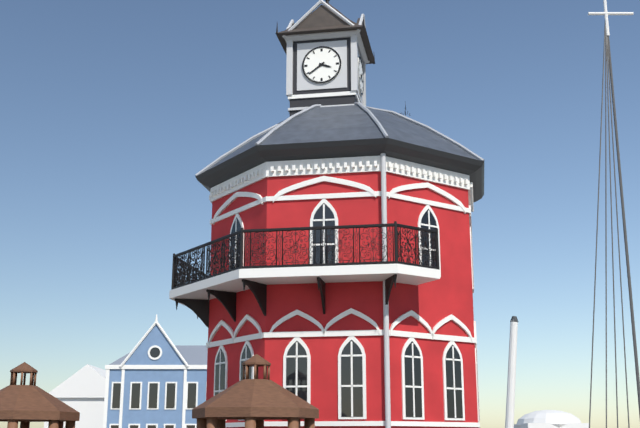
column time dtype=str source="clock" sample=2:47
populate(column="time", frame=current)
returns 3:39
